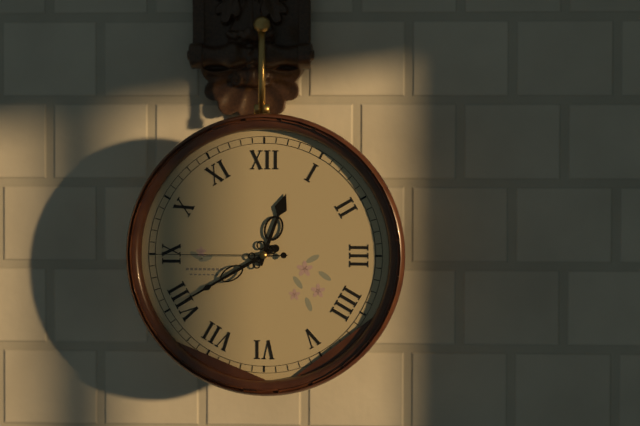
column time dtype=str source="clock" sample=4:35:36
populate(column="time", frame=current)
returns 12:40:45
